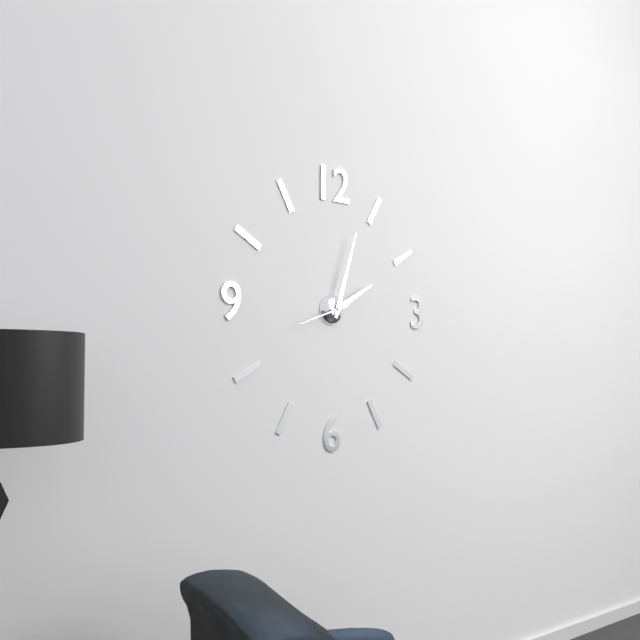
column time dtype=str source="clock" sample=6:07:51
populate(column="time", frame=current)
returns 2:03:42
